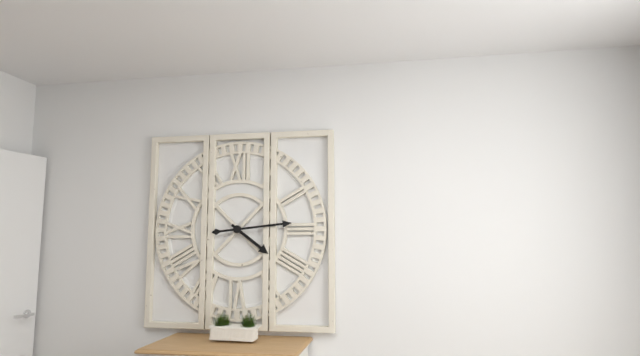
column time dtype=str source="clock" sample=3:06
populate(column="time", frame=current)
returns 4:14
